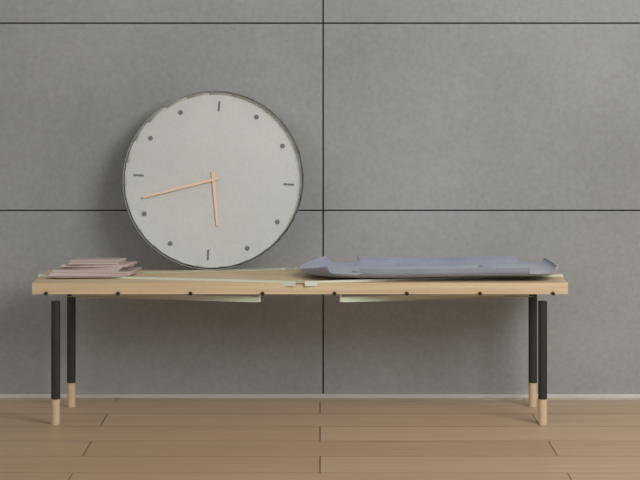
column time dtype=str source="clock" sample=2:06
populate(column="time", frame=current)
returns 5:42
